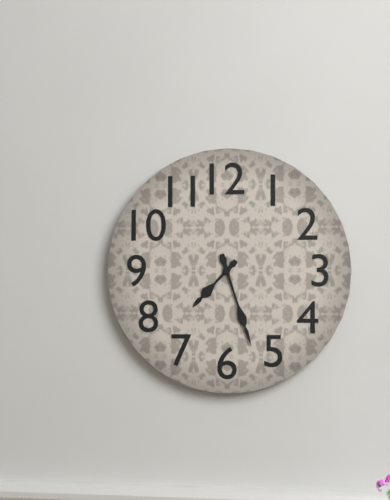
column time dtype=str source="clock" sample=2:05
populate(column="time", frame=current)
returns 7:27
